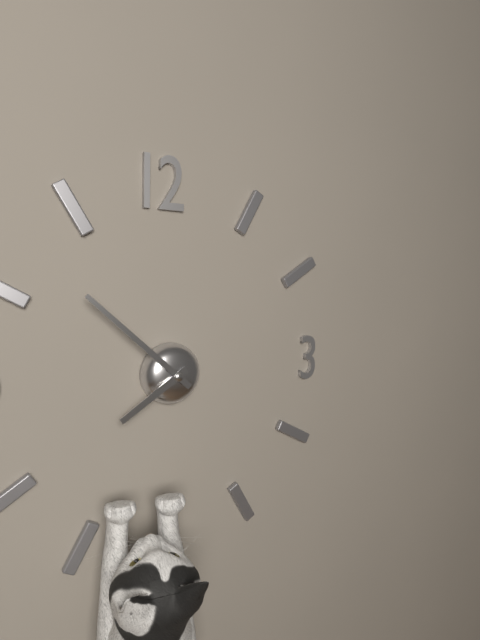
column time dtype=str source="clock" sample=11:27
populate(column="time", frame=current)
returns 7:52
